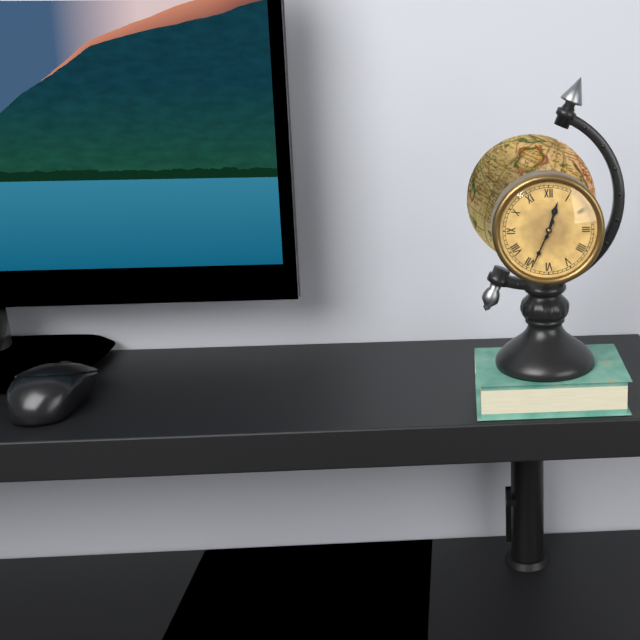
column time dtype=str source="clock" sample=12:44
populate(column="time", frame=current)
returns 12:34
